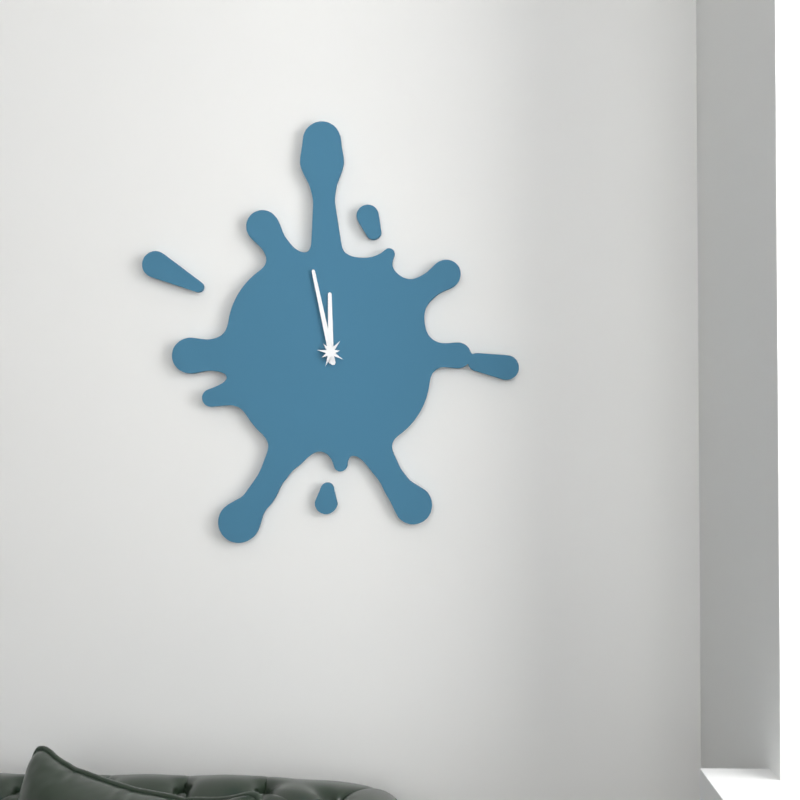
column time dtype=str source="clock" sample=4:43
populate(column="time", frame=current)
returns 11:58
